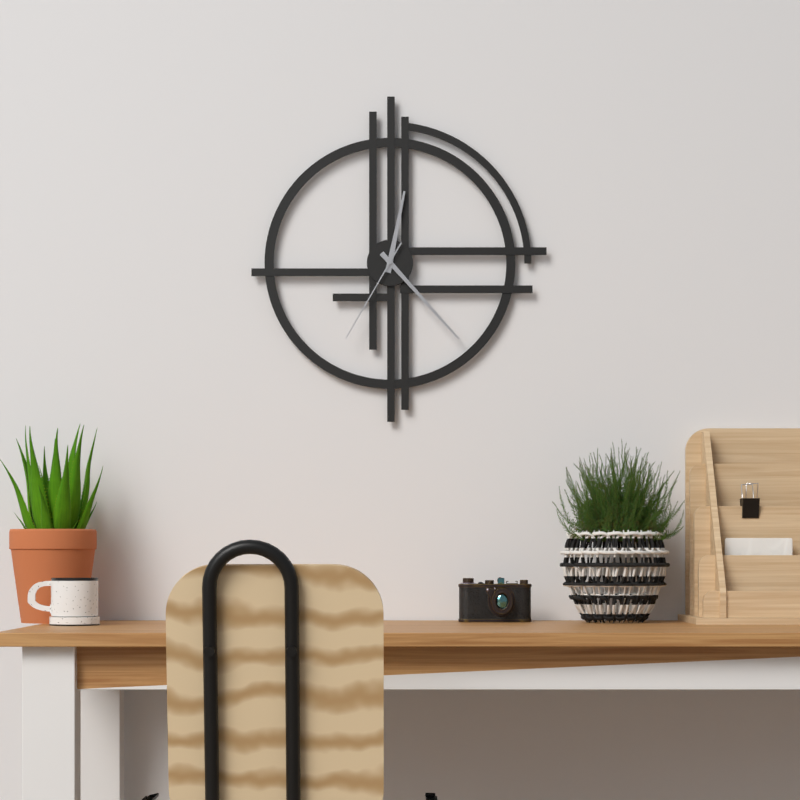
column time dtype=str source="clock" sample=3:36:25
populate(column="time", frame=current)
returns 12:23:35
